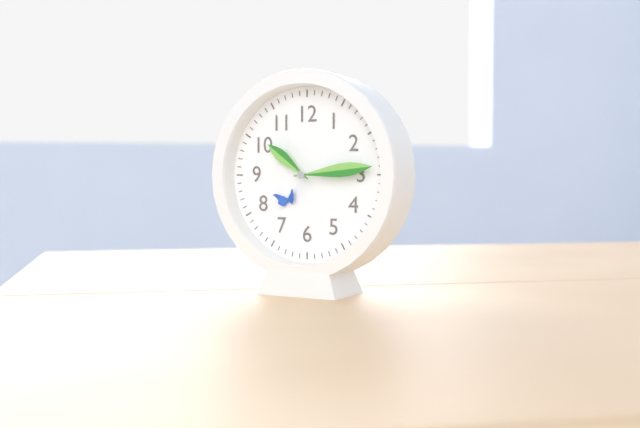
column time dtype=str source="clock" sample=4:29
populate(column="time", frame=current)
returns 10:14
